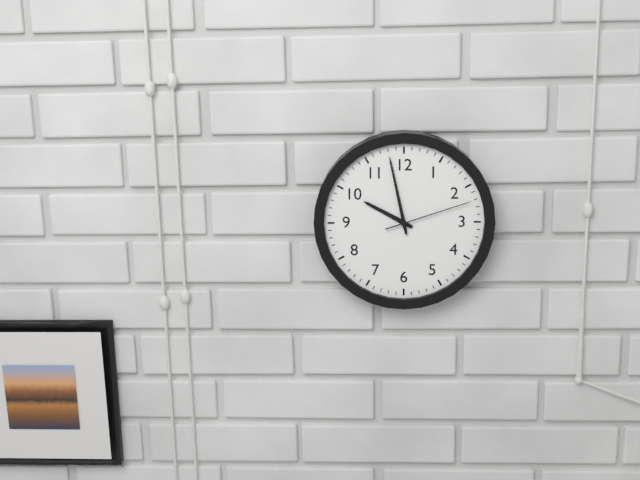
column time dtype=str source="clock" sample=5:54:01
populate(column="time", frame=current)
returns 9:58:12
